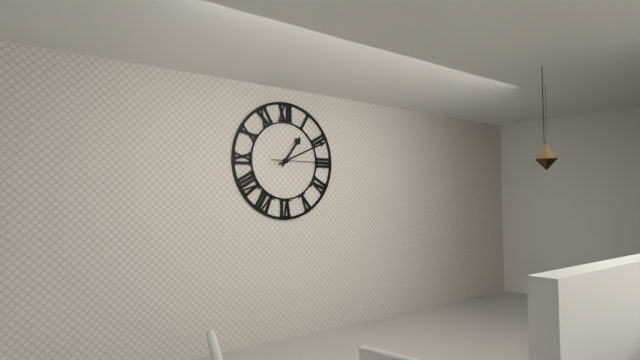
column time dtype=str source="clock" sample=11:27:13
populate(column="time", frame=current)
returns 1:11:15
